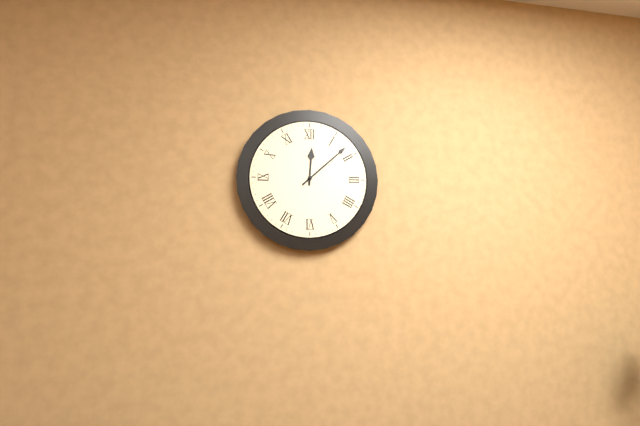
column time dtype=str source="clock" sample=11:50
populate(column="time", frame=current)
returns 12:08
